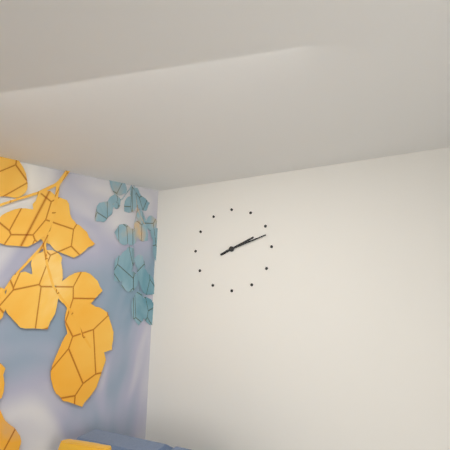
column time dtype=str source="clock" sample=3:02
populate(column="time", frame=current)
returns 2:12
